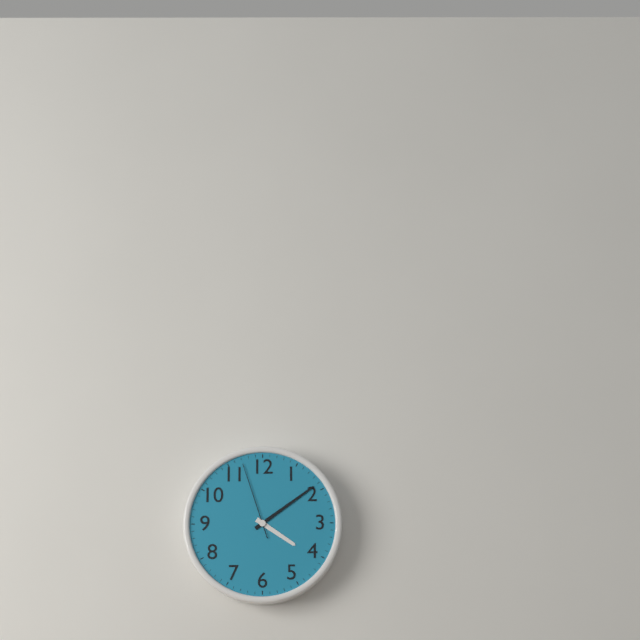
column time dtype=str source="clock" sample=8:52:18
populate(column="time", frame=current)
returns 4:09:57
